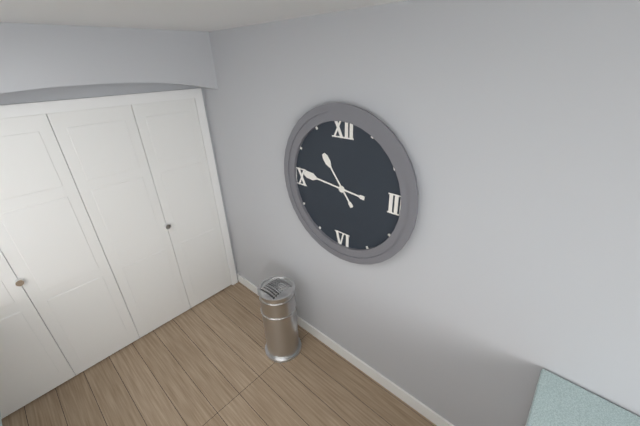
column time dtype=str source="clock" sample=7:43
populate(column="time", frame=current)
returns 10:46
